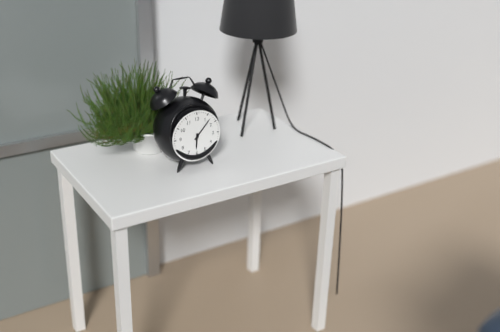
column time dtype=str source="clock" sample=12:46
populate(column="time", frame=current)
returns 6:07
